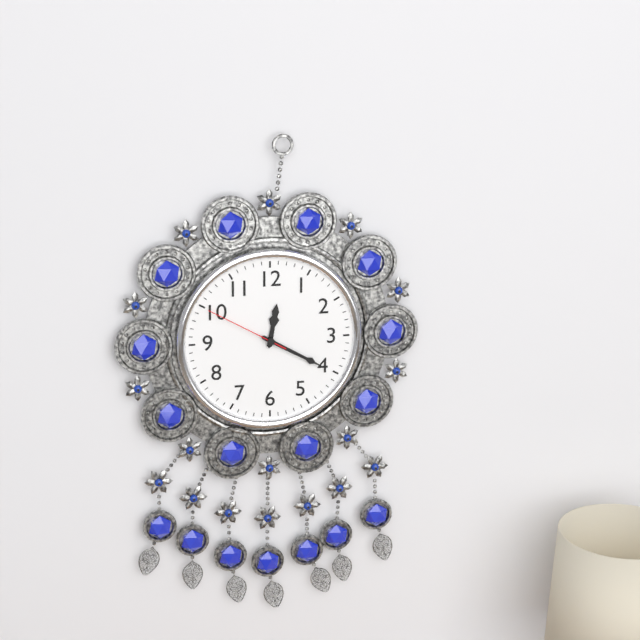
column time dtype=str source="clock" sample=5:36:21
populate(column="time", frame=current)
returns 12:20:50
